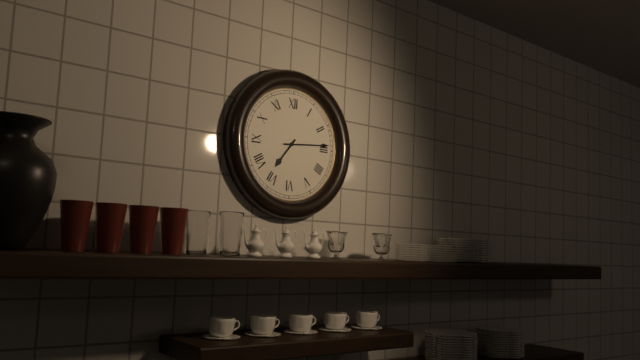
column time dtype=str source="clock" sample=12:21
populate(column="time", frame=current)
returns 7:14
